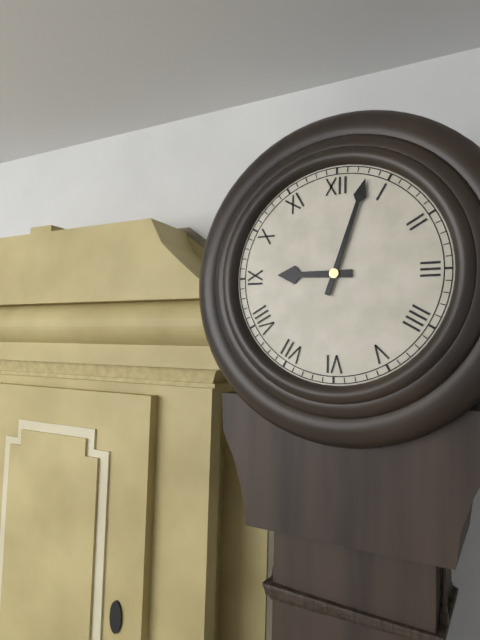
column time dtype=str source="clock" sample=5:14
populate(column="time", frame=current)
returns 9:03
